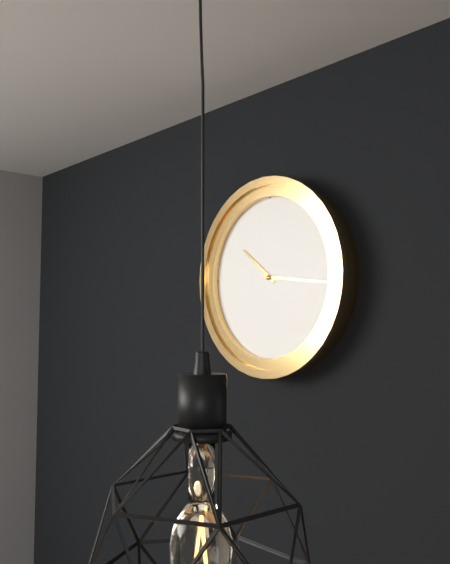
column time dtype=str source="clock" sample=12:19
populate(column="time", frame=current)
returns 10:16
